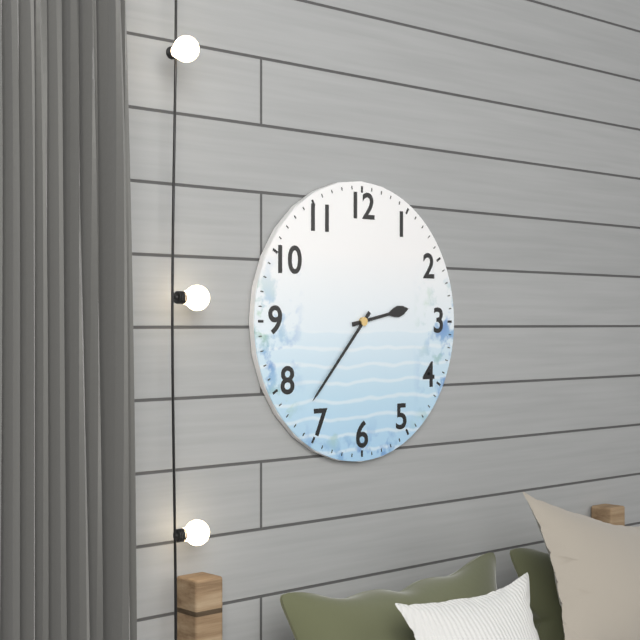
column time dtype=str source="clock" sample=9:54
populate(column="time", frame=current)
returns 2:37
